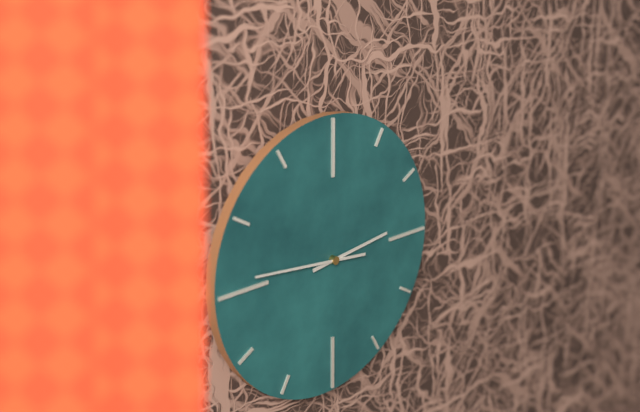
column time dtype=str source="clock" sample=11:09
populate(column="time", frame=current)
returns 2:46
